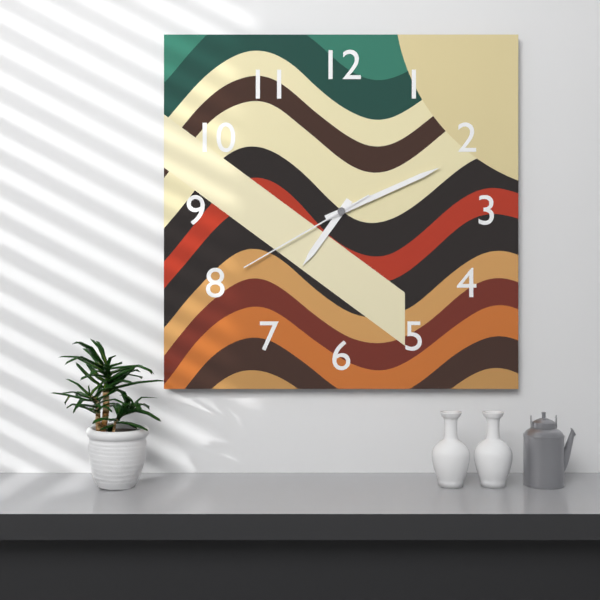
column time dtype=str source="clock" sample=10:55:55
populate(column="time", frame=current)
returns 7:11:40
